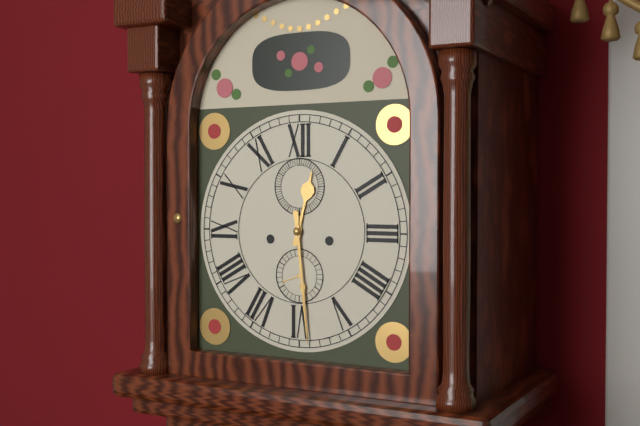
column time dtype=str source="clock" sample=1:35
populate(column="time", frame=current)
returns 12:29
